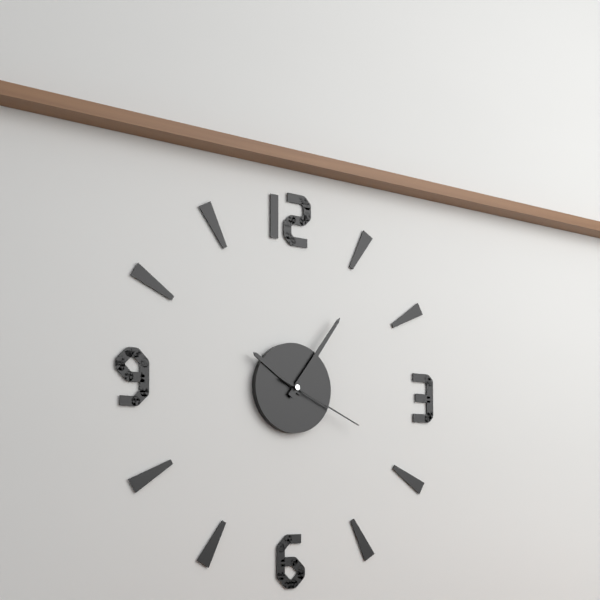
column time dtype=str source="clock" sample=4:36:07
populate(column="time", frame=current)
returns 10:06:19
